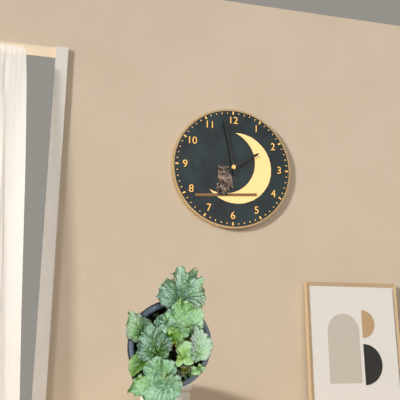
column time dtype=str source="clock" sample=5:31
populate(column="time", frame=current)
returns 1:58
